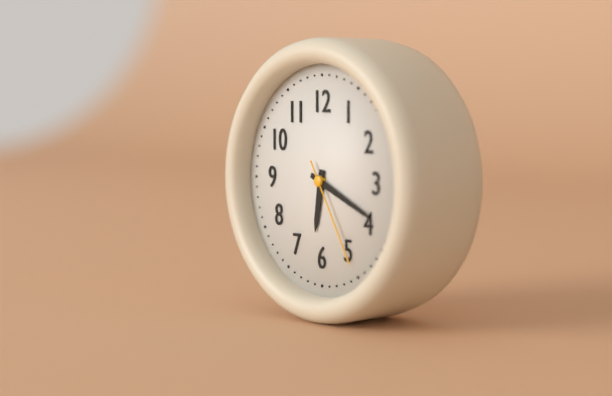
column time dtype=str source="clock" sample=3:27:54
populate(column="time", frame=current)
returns 6:19:25
